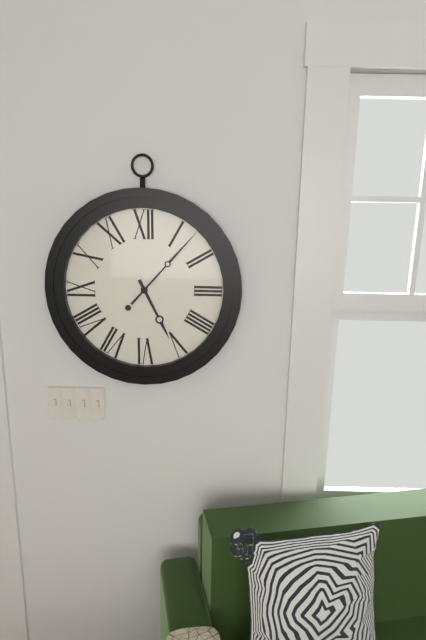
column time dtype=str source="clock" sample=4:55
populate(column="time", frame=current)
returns 5:07
